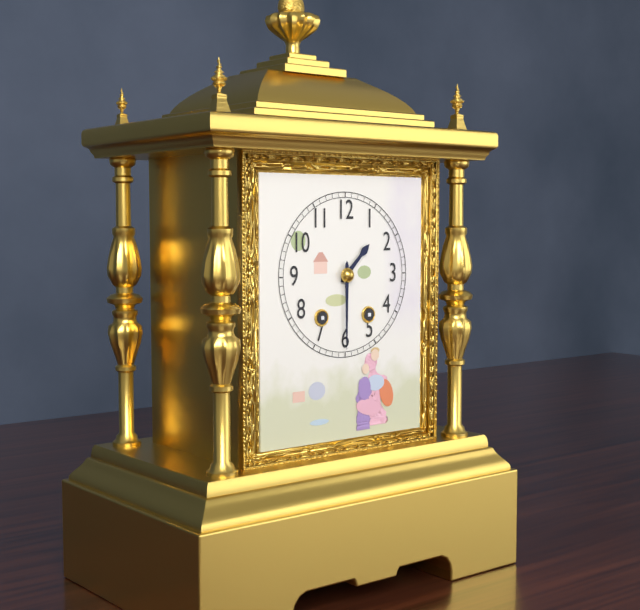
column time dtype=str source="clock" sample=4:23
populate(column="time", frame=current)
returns 1:30
